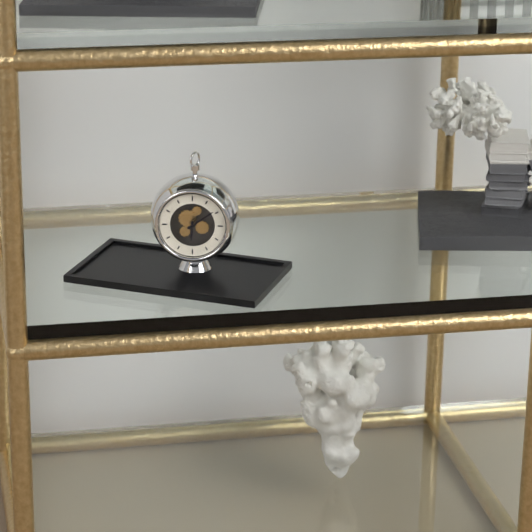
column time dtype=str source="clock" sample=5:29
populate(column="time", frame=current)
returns 6:09
